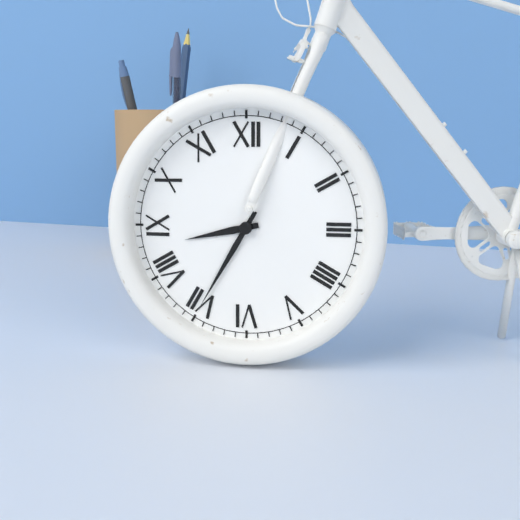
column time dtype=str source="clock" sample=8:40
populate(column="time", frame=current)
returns 8:35
